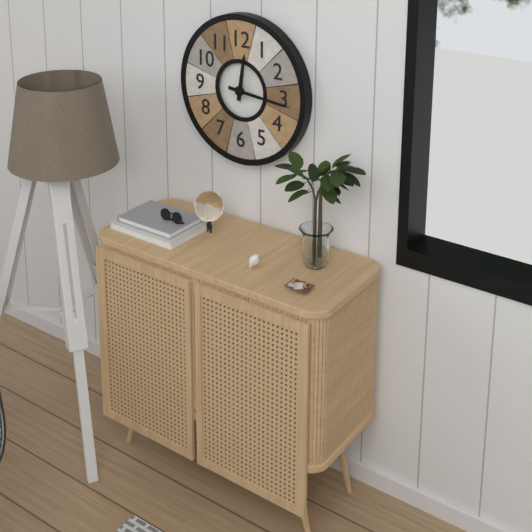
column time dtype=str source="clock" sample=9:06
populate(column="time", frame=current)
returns 12:16
